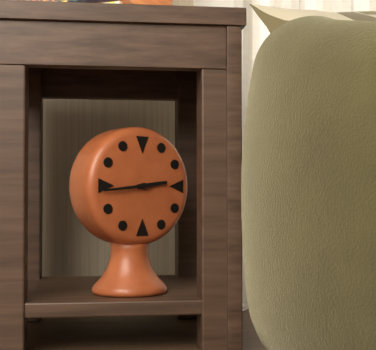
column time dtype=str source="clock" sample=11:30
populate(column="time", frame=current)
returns 2:44
